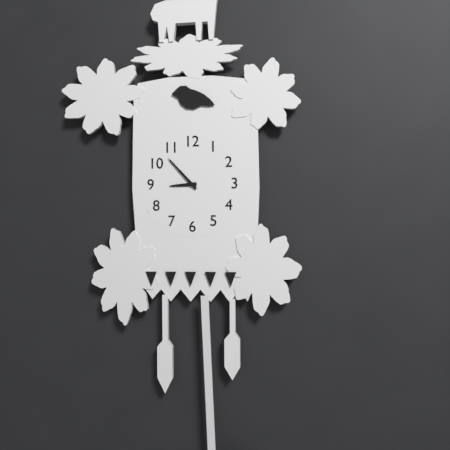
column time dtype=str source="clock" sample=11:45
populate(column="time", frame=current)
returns 8:53
